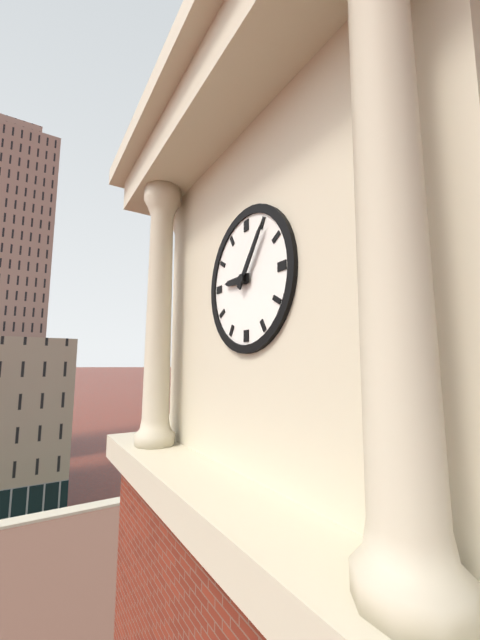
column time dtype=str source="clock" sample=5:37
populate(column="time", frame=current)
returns 9:06
